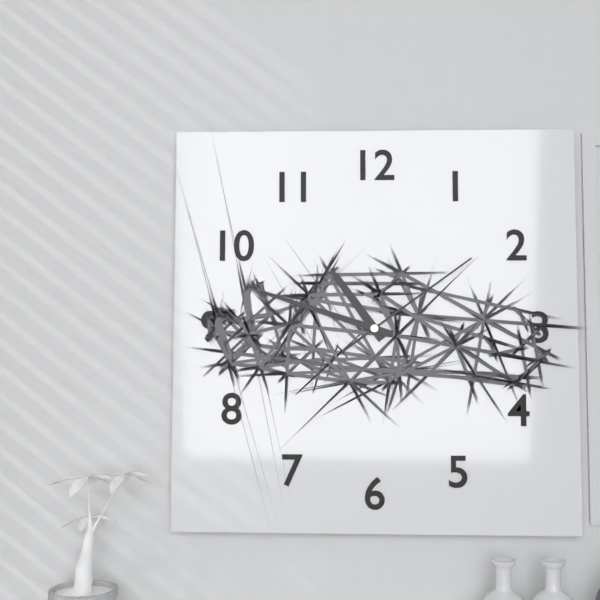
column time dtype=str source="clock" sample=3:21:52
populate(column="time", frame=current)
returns 10:48:09
